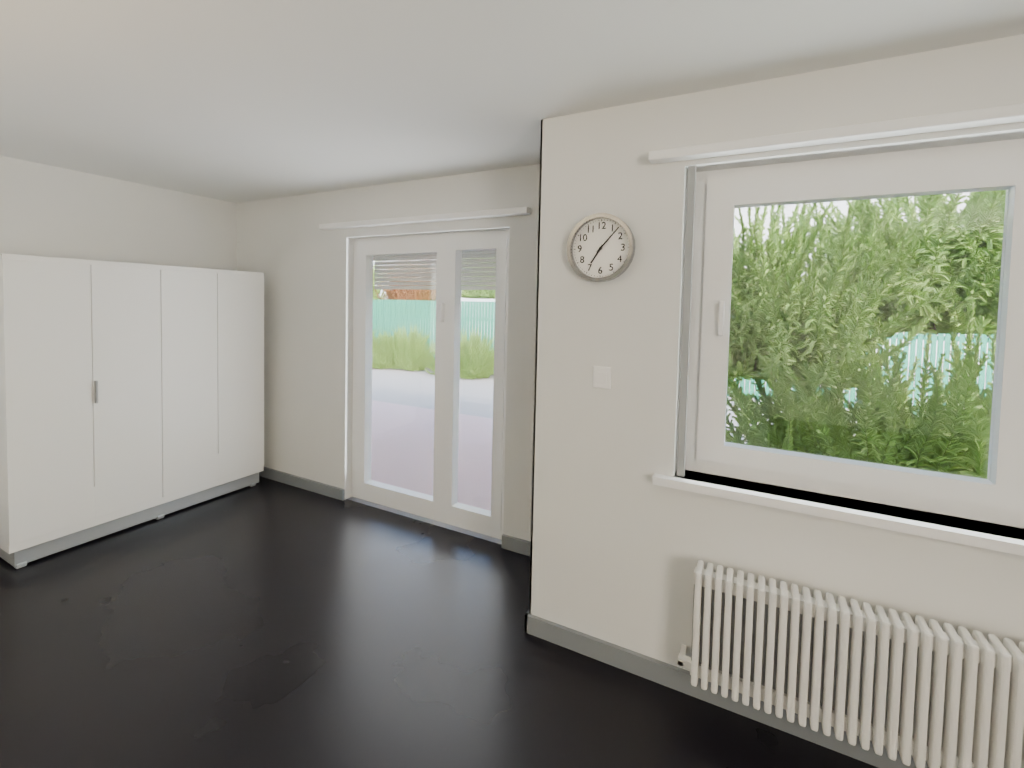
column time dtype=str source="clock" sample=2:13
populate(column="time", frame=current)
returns 7:07
